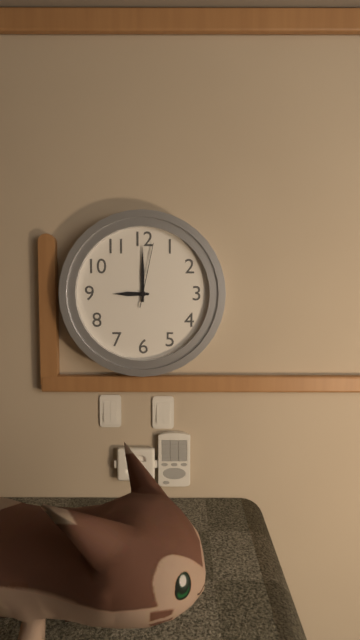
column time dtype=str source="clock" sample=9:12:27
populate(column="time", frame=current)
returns 9:00:02
